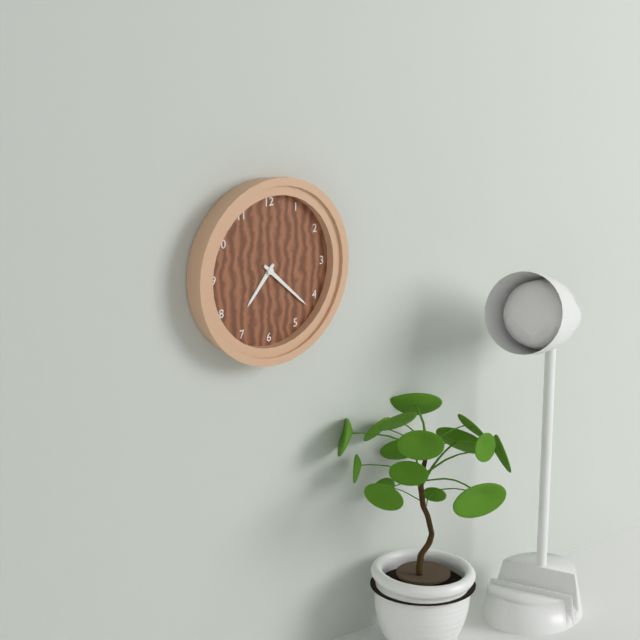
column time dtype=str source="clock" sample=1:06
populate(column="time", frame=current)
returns 7:22
